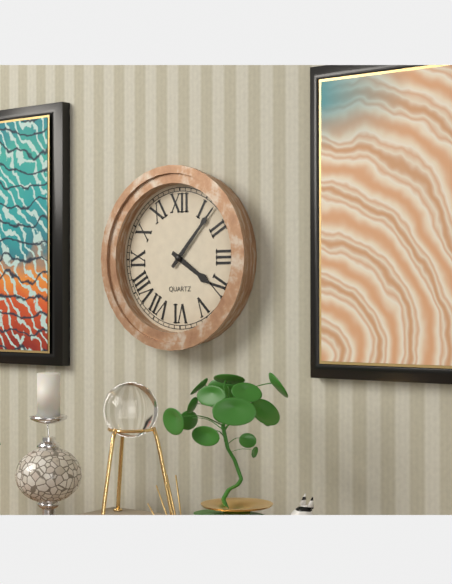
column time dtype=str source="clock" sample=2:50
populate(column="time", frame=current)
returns 4:07
